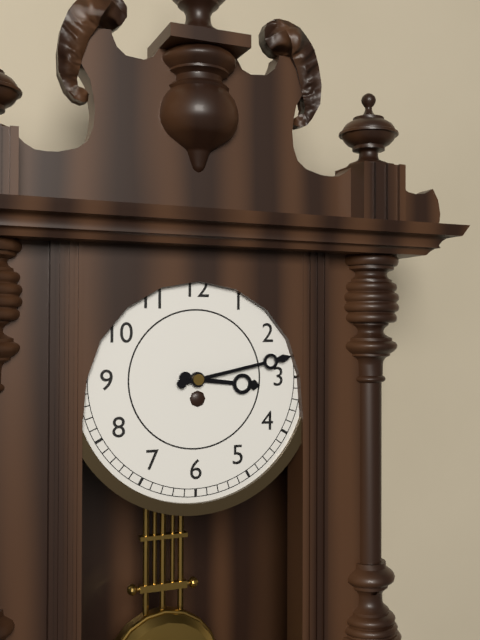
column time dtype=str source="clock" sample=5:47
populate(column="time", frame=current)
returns 3:13
